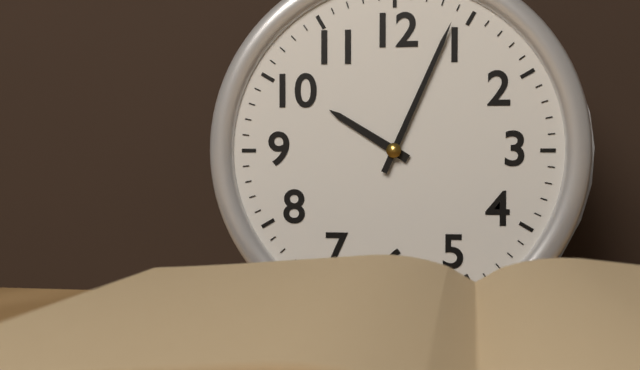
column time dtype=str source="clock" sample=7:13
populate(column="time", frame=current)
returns 10:04
